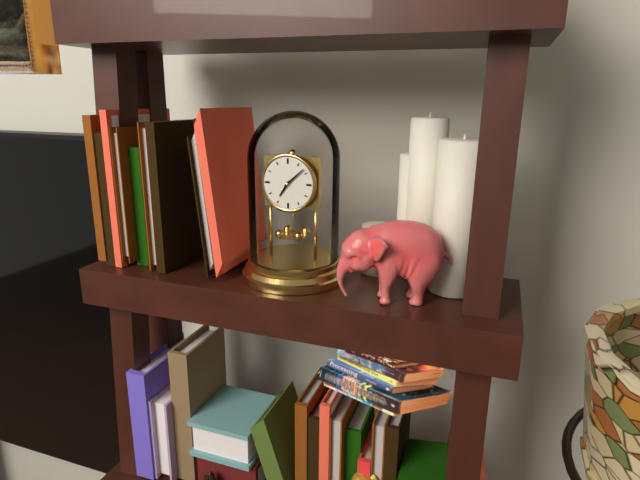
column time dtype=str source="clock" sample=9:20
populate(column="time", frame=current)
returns 7:08
